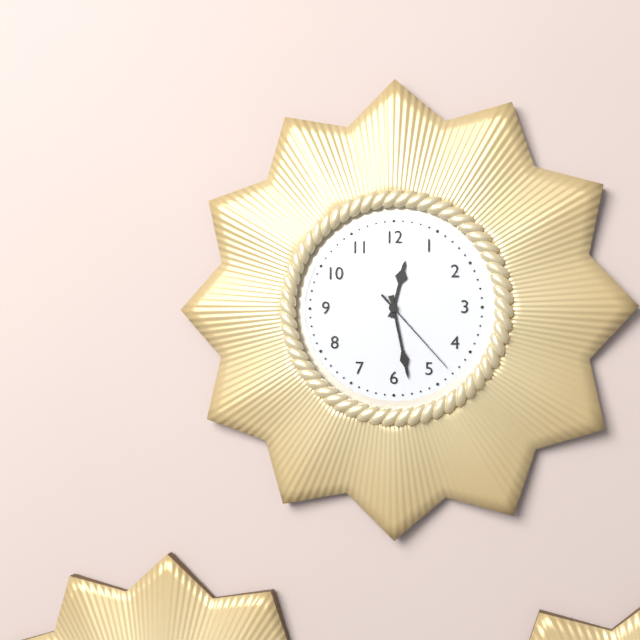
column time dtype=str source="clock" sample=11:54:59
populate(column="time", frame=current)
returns 12:28:23
